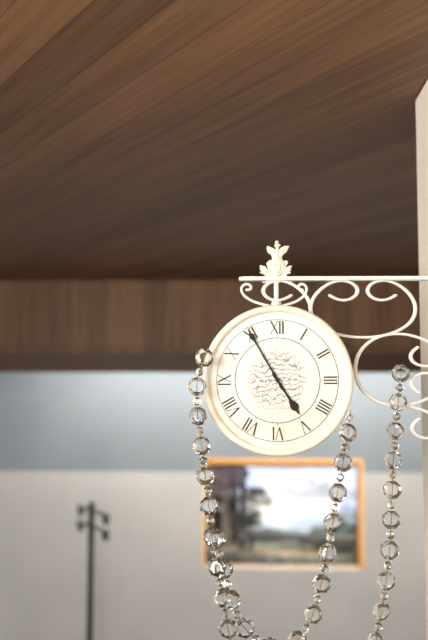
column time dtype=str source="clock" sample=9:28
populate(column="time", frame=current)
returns 4:55
